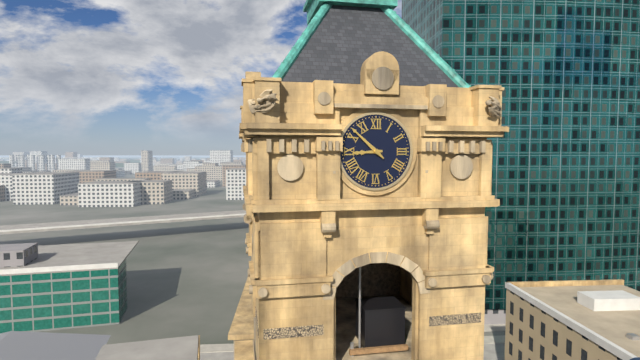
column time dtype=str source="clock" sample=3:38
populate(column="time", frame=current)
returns 8:52
